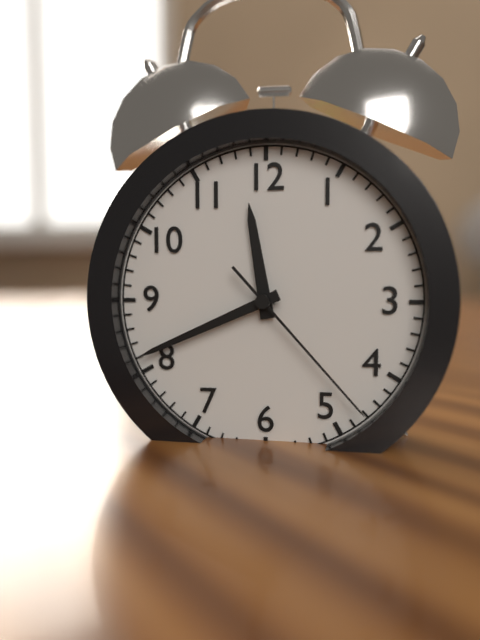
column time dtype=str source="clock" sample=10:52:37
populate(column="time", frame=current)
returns 11:41:23
